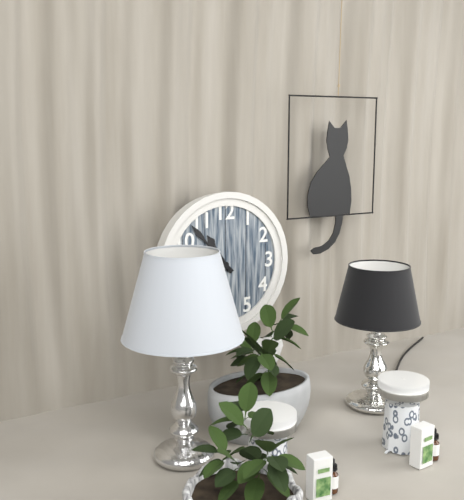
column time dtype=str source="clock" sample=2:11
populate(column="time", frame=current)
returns 10:53
